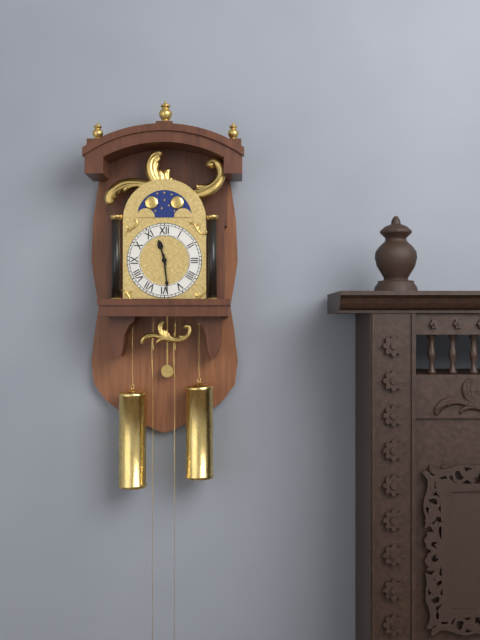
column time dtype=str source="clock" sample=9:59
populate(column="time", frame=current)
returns 11:29
